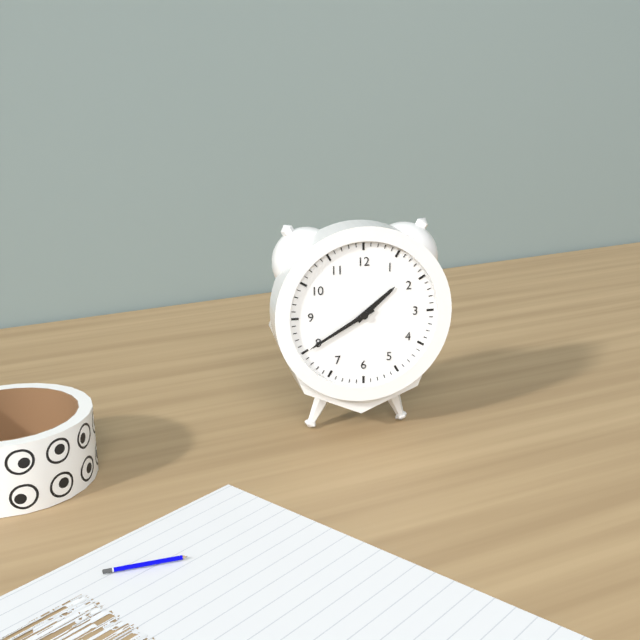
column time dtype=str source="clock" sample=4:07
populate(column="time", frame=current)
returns 1:40
